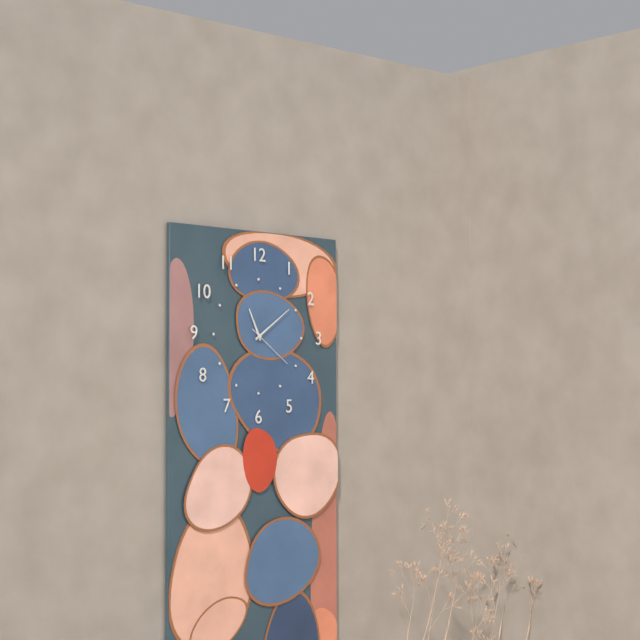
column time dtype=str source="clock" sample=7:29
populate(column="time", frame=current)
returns 11:09
